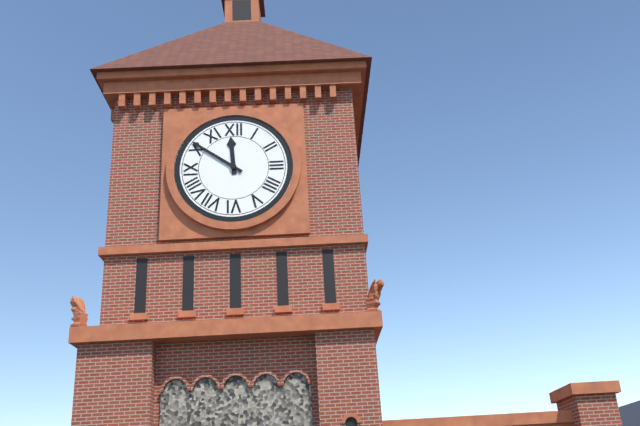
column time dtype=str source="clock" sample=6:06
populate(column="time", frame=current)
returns 11:51
